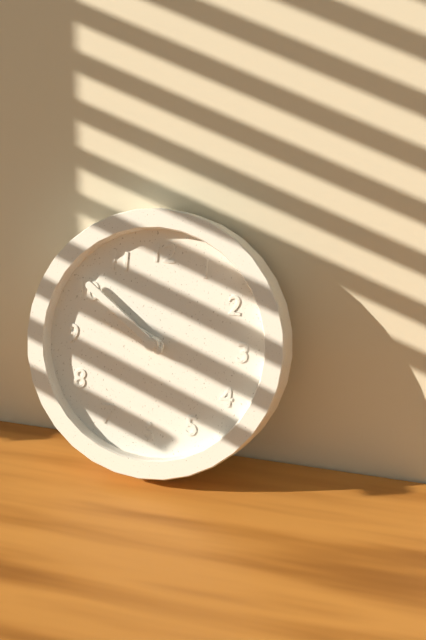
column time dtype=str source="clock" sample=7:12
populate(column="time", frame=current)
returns 9:51
